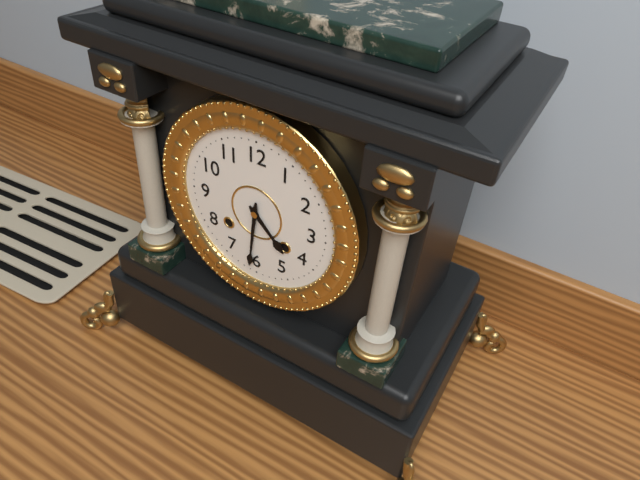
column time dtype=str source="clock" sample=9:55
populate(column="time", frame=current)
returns 4:31
